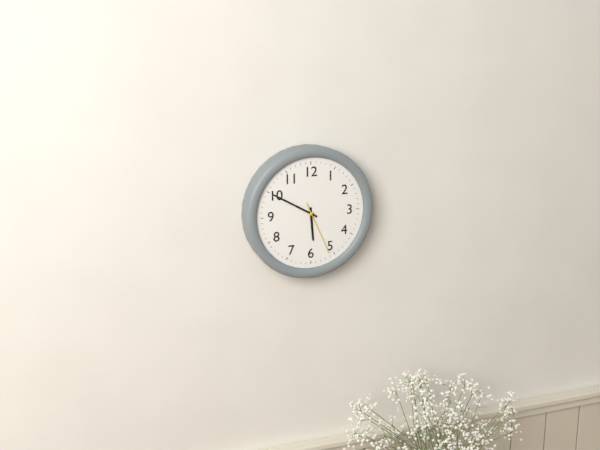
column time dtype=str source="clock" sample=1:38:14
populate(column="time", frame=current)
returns 5:50:26
